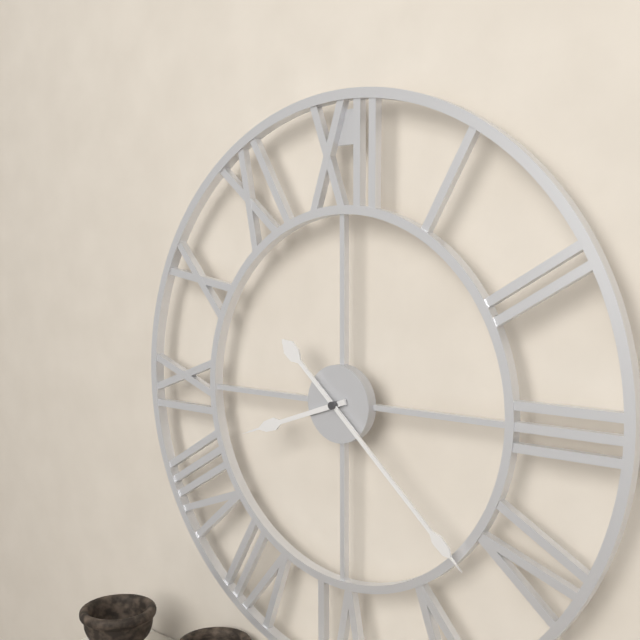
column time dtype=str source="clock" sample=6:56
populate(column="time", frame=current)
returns 8:22
